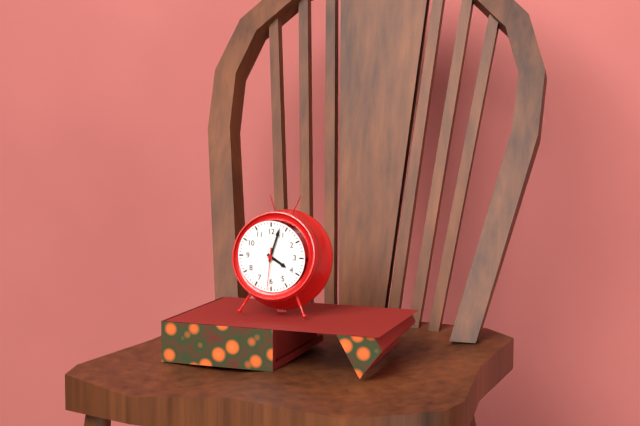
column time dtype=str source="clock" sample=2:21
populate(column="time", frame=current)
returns 4:03
